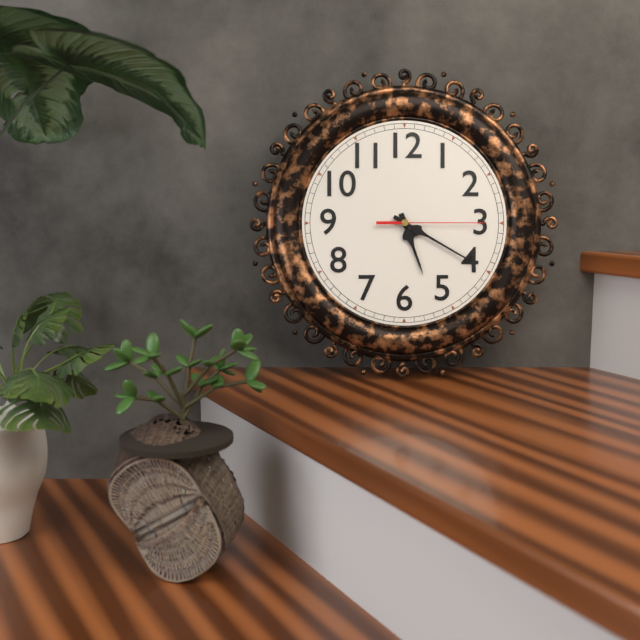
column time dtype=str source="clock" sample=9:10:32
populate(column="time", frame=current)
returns 5:20:15
